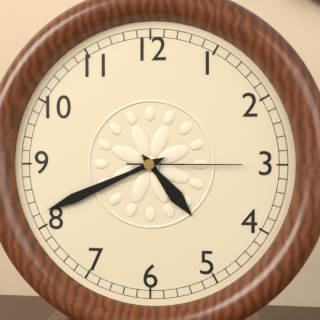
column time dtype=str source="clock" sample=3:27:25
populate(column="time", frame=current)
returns 4:41:15
